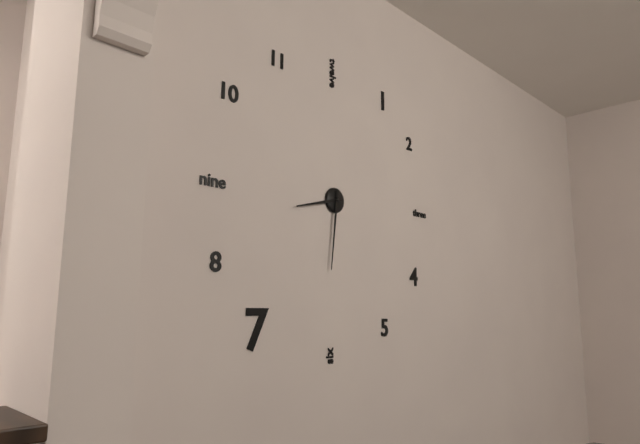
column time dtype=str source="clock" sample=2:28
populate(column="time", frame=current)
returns 8:31
